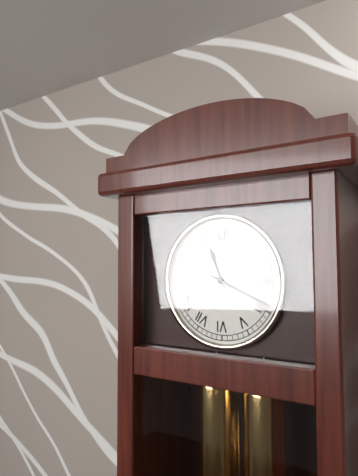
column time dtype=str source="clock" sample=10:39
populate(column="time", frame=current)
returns 11:19
